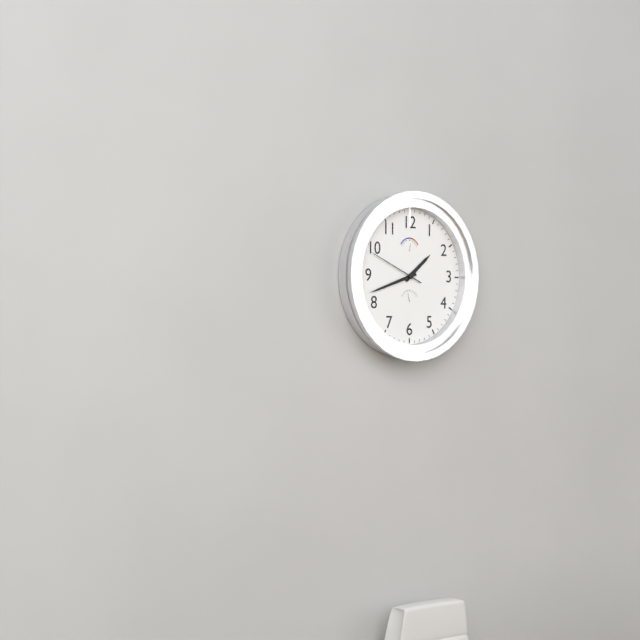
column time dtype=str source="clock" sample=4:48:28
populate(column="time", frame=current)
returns 1:42:49
